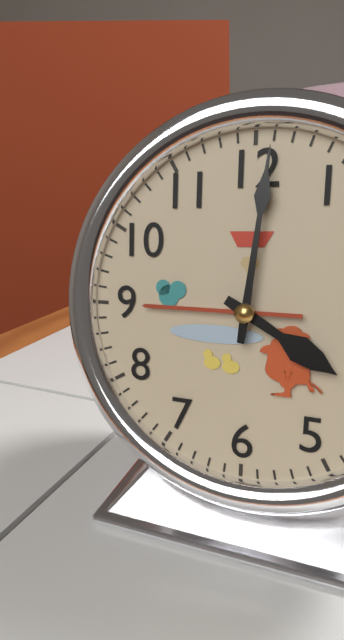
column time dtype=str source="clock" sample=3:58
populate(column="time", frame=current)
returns 4:01
